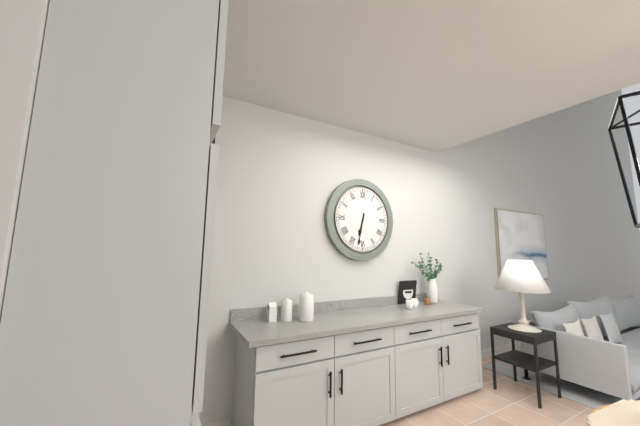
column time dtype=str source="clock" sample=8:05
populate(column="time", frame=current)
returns 6:32
